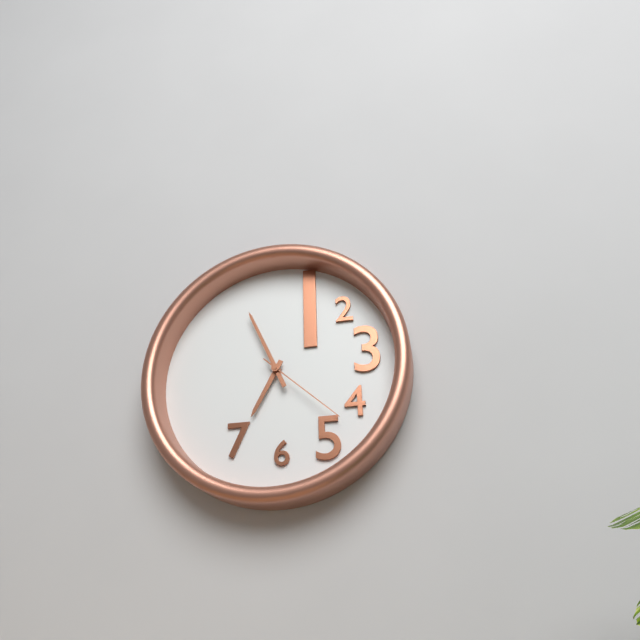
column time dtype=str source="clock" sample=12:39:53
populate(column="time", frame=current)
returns 6:56:22
